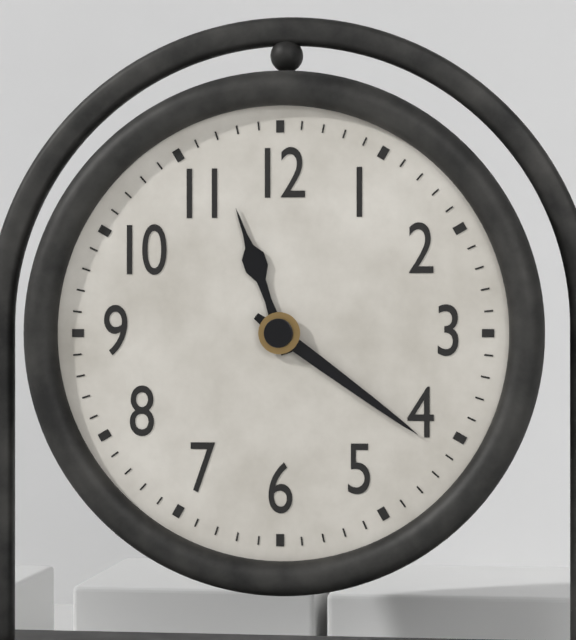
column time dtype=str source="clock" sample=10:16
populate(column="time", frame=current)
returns 11:21
